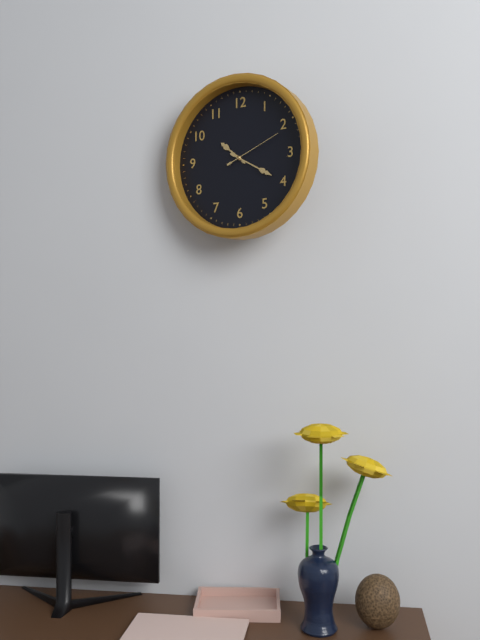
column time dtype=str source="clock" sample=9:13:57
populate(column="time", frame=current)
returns 10:20:11
